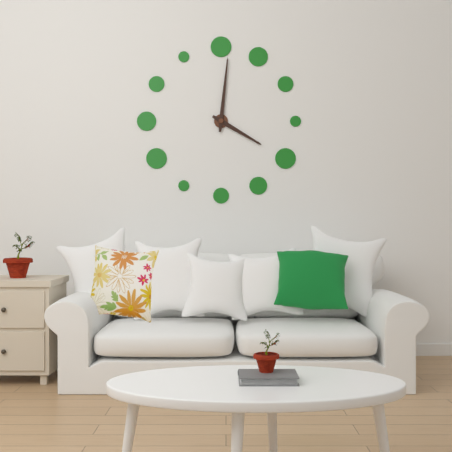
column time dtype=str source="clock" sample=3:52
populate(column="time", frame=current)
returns 4:01
